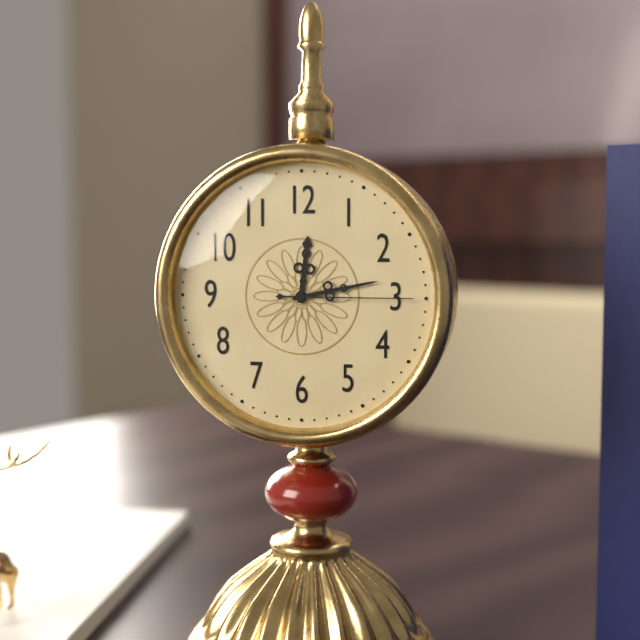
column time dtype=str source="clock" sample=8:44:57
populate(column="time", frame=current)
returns 12:13:15
